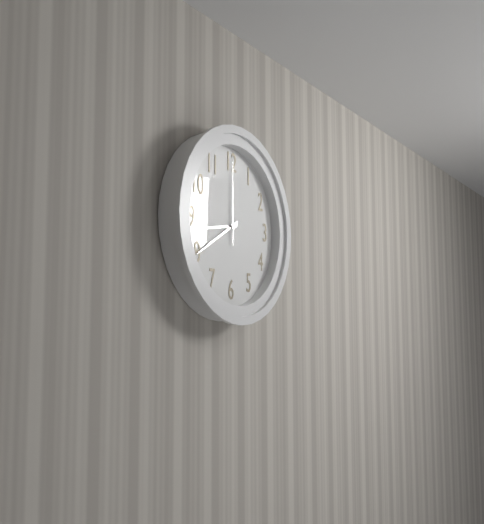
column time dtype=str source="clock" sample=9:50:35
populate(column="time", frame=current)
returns 8:40:00
